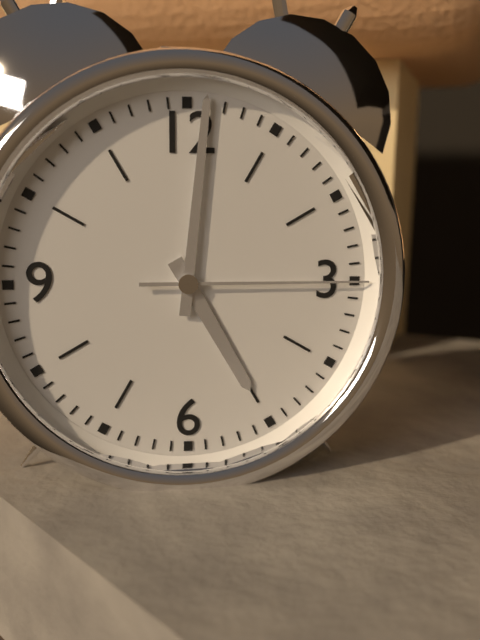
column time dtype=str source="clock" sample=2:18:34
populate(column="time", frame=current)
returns 5:01:15
